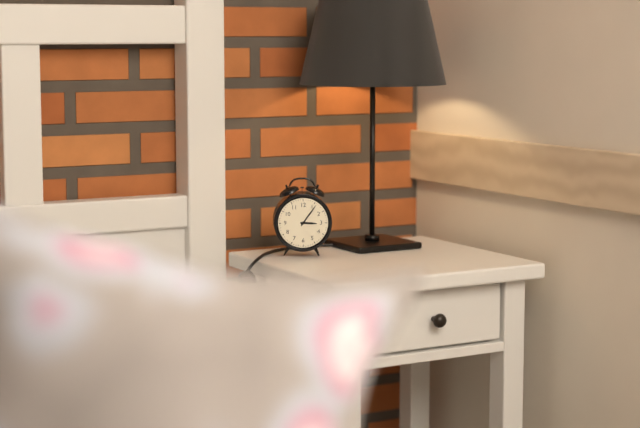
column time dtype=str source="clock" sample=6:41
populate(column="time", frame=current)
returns 3:06
